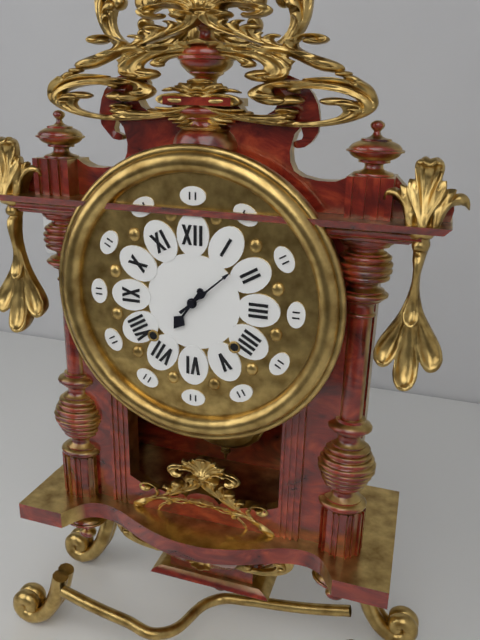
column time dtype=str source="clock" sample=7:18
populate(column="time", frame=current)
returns 7:08
